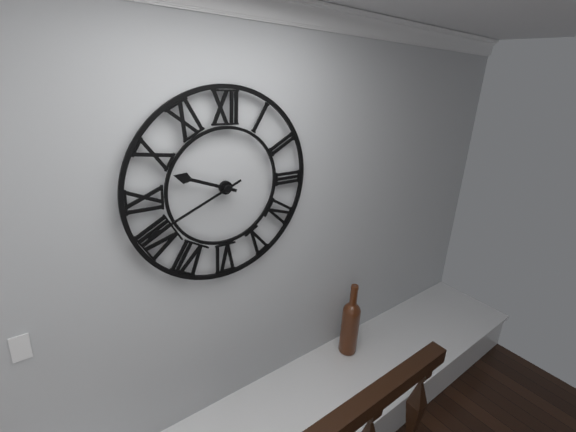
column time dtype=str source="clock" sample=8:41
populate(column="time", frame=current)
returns 9:41
